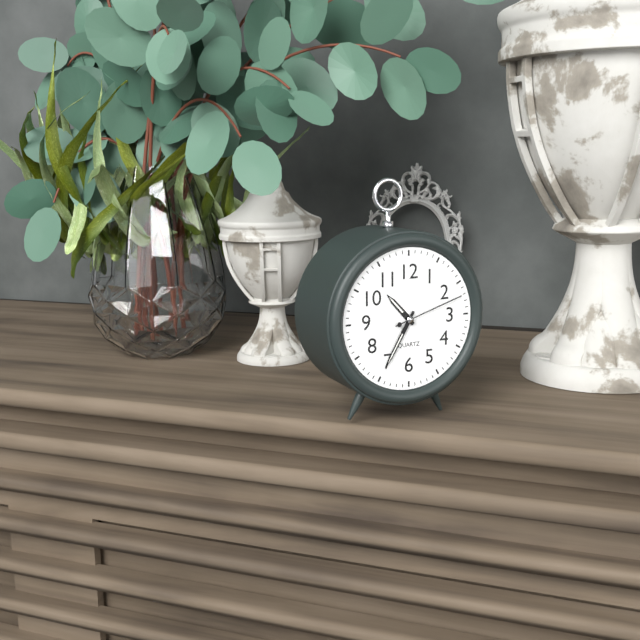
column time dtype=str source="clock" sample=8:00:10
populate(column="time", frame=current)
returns 10:35:12
